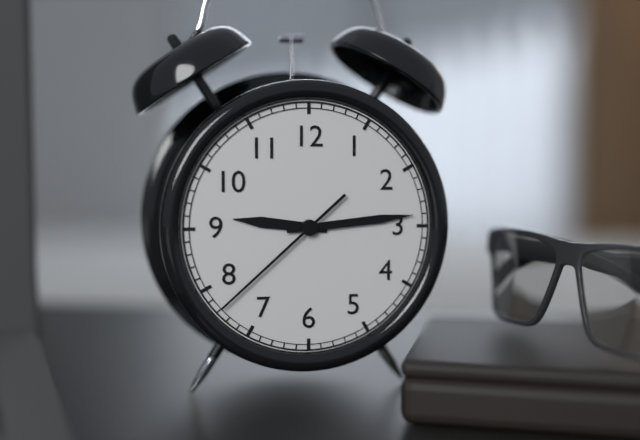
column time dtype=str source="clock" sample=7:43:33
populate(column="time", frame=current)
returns 9:14:38
